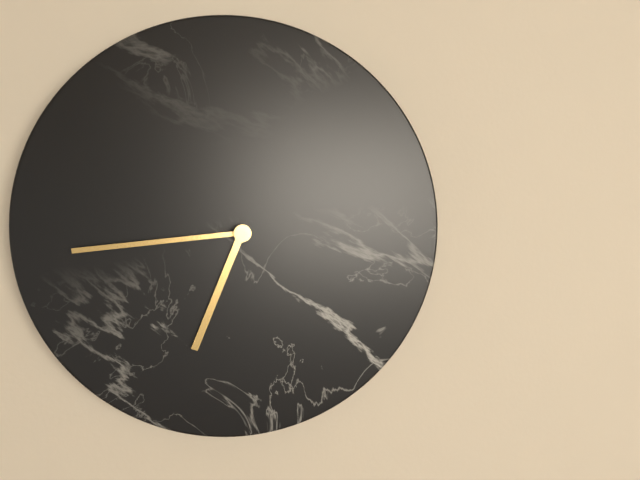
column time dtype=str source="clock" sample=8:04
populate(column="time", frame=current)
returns 6:44
